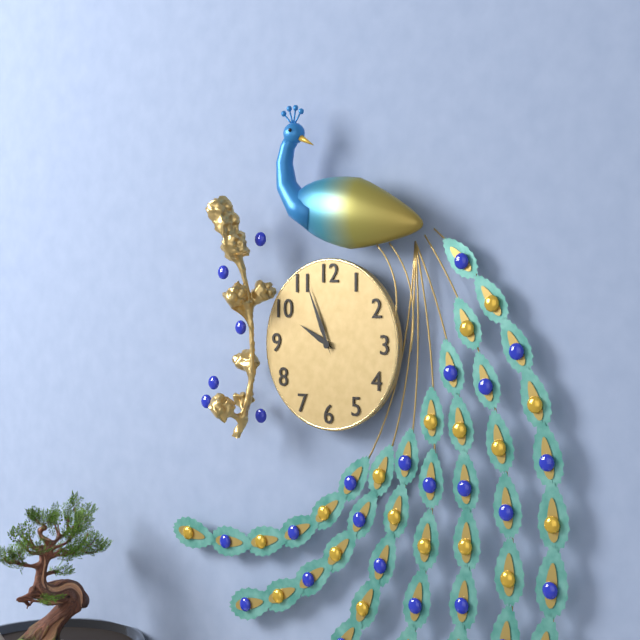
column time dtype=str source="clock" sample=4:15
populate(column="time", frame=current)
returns 9:56
